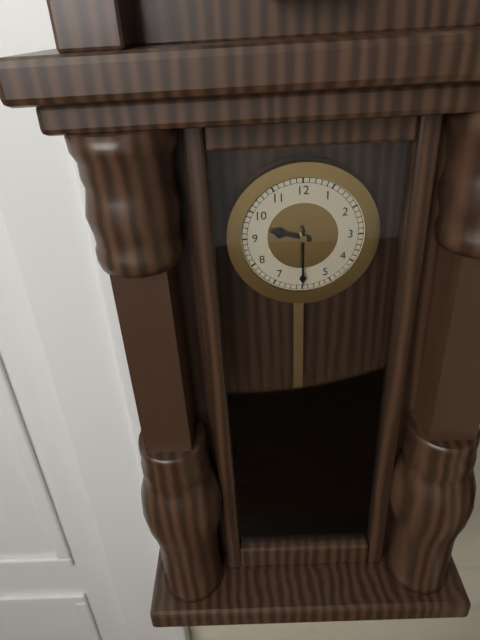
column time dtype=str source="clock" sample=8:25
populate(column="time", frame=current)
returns 9:30
